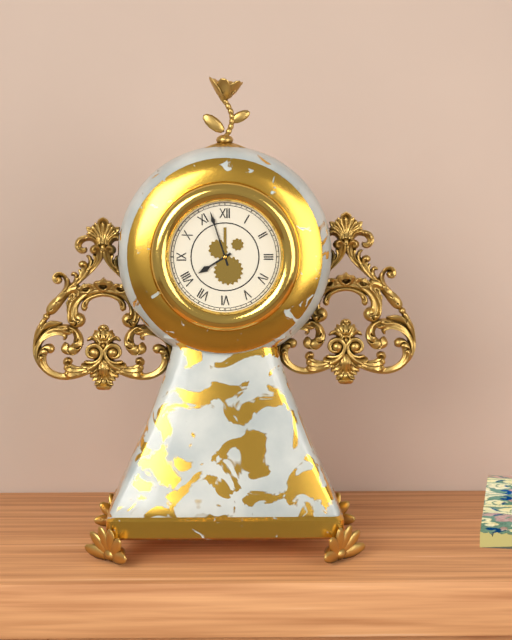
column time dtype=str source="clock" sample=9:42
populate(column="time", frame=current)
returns 7:57
